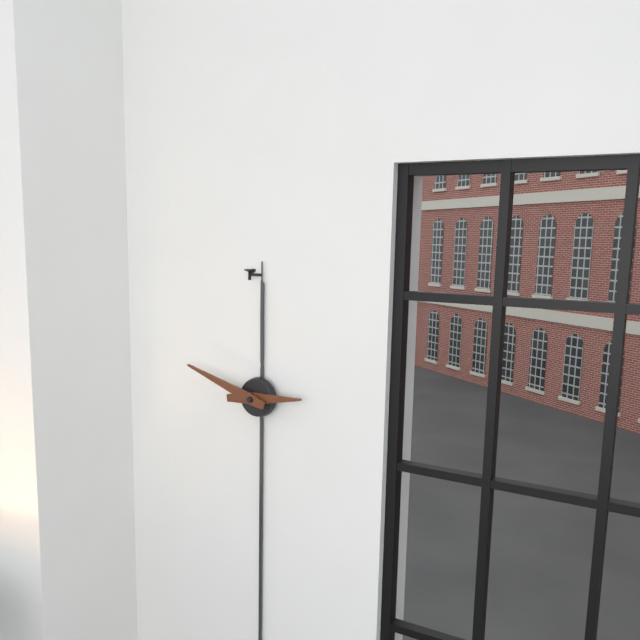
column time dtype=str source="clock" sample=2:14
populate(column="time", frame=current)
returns 2:48
